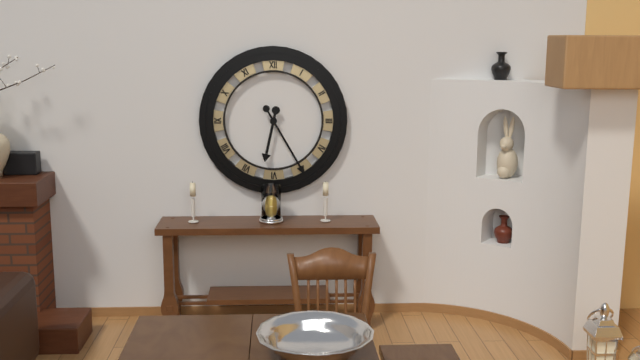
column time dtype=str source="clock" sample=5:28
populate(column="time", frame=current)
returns 6:25
